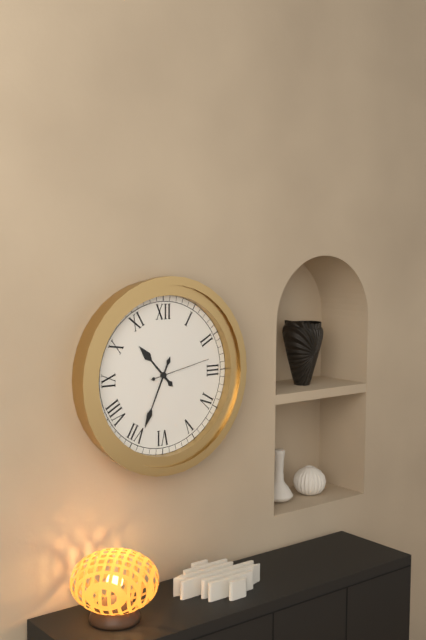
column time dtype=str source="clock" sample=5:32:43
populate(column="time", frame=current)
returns 10:34:13
